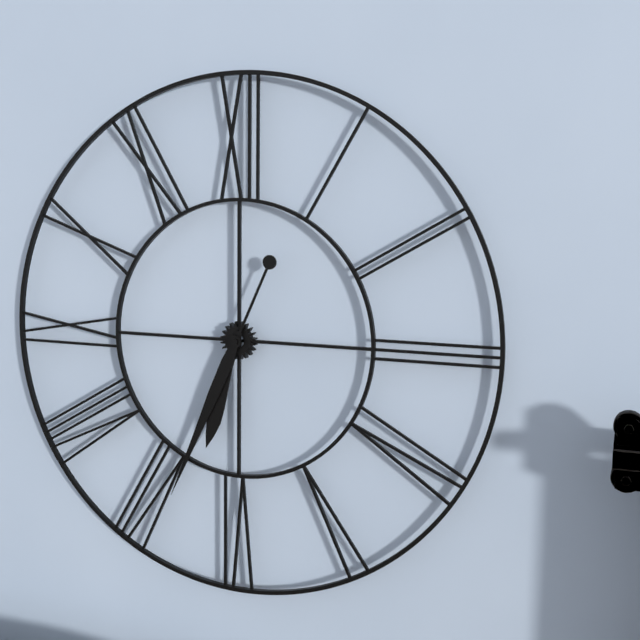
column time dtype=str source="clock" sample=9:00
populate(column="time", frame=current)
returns 6:34
